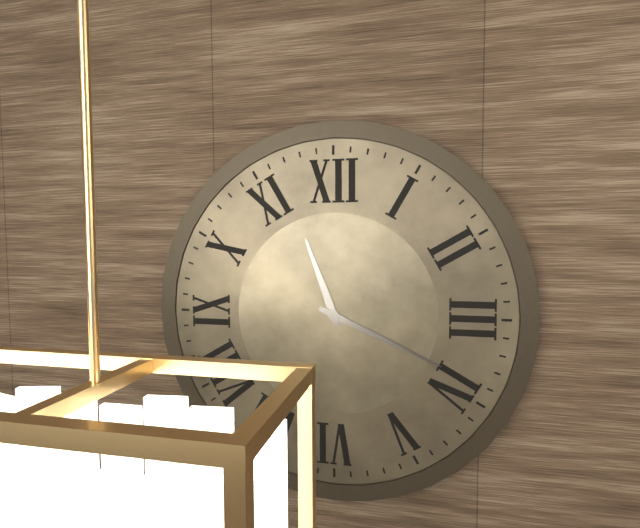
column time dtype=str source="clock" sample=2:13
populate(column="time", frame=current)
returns 11:19
